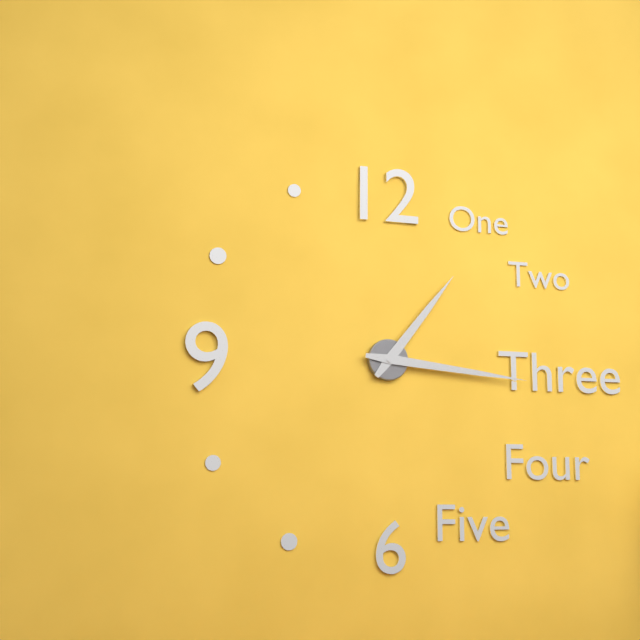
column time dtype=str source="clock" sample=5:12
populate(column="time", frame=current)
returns 1:16
